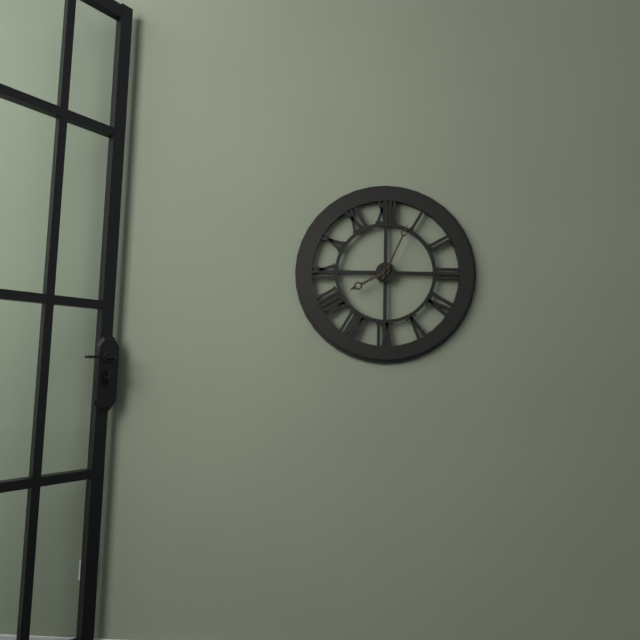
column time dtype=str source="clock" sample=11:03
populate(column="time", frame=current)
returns 8:04
